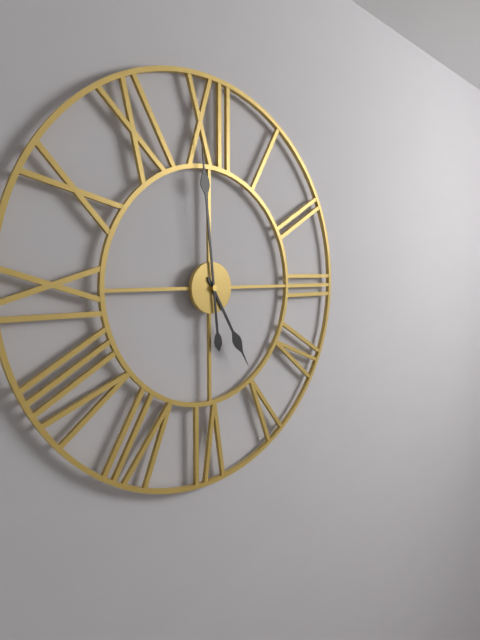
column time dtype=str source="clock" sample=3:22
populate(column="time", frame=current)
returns 4:59
